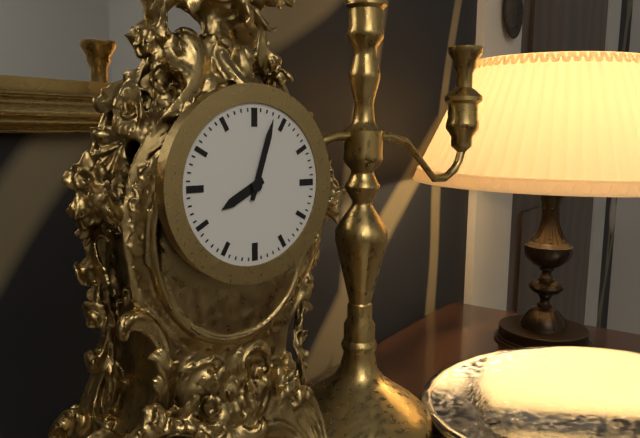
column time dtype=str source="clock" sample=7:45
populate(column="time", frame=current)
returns 8:03
